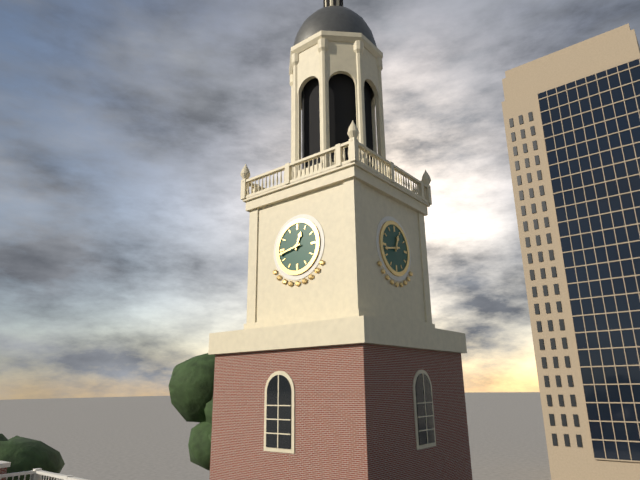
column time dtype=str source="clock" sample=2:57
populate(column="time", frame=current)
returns 12:43
